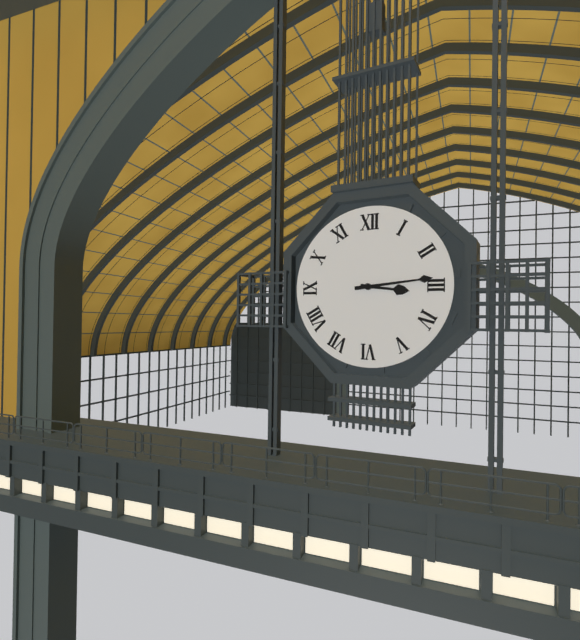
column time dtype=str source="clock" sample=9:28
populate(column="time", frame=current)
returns 3:14
